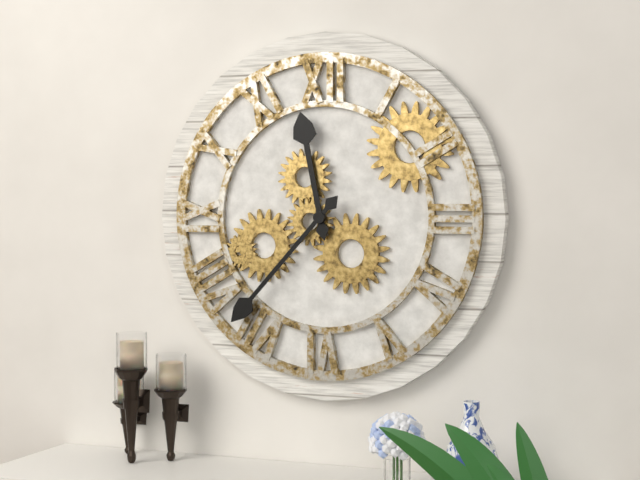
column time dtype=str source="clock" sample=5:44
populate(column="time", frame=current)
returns 11:37
